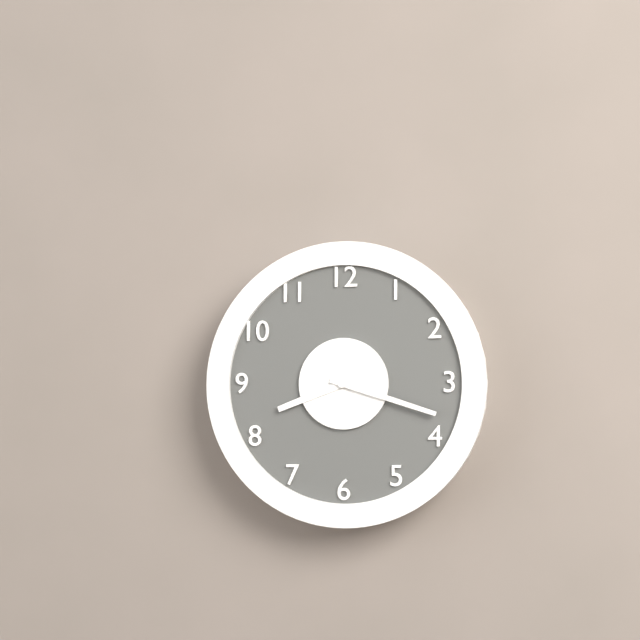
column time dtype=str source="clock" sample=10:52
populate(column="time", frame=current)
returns 8:18
